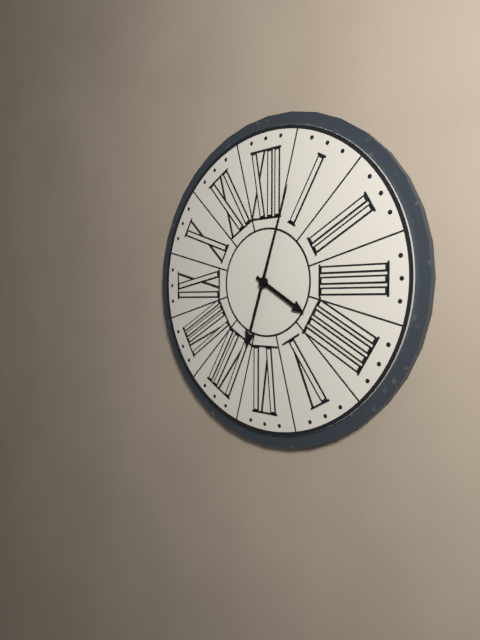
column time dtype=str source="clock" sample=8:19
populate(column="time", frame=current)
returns 4:03
